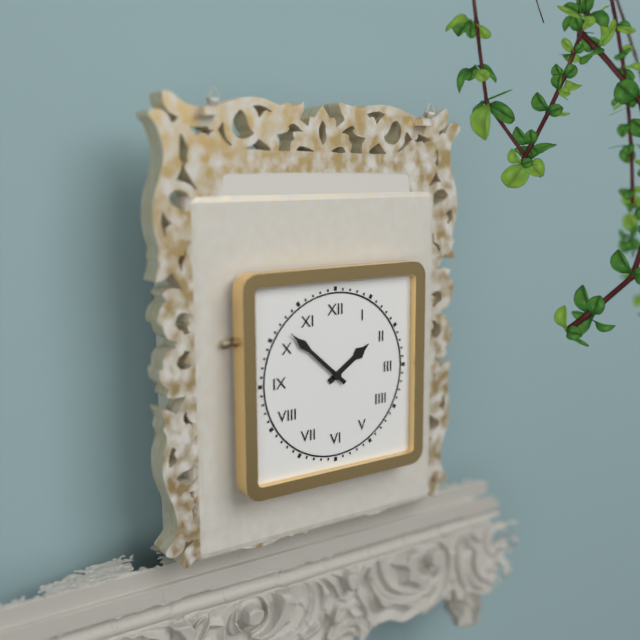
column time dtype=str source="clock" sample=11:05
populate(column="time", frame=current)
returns 1:52
